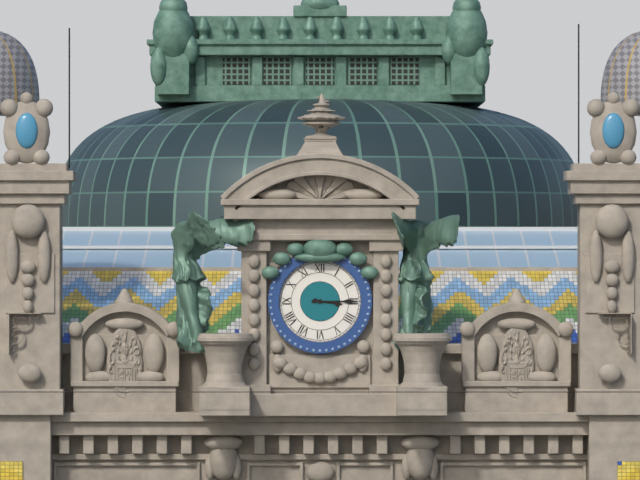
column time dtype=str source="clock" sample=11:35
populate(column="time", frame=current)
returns 3:15
